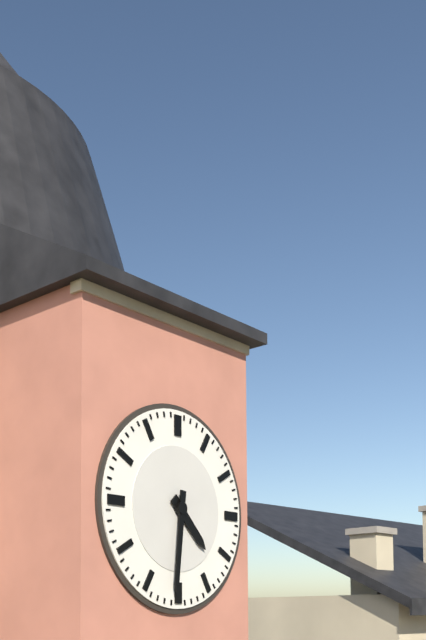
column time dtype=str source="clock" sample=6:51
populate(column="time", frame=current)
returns 4:31
